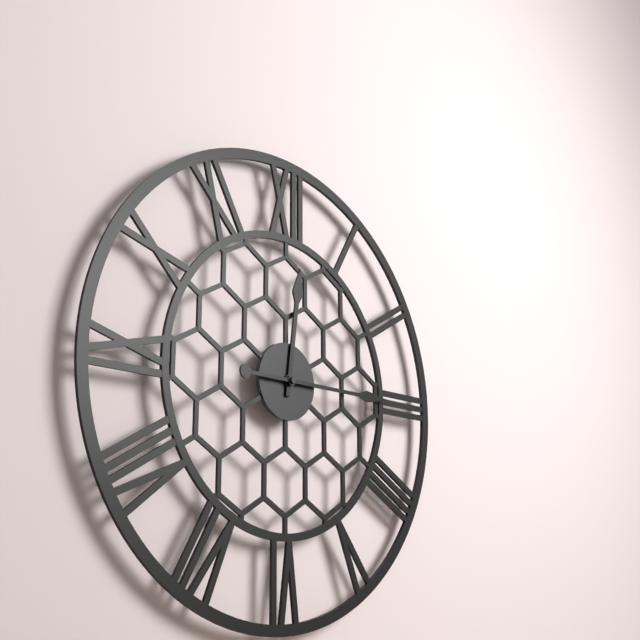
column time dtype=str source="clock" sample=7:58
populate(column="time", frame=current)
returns 12:15
